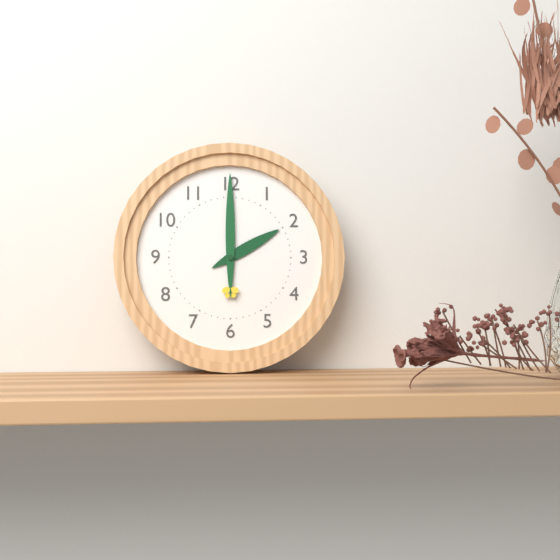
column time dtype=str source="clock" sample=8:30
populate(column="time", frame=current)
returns 2:00
